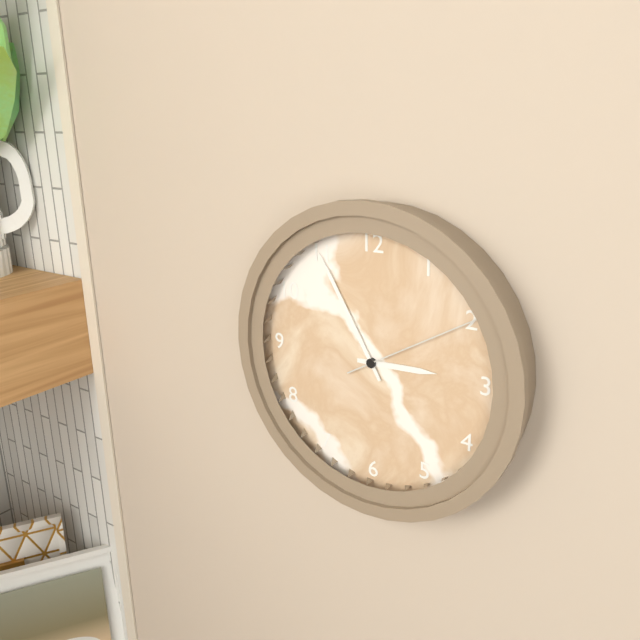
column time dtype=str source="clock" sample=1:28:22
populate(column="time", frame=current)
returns 2:55:10
